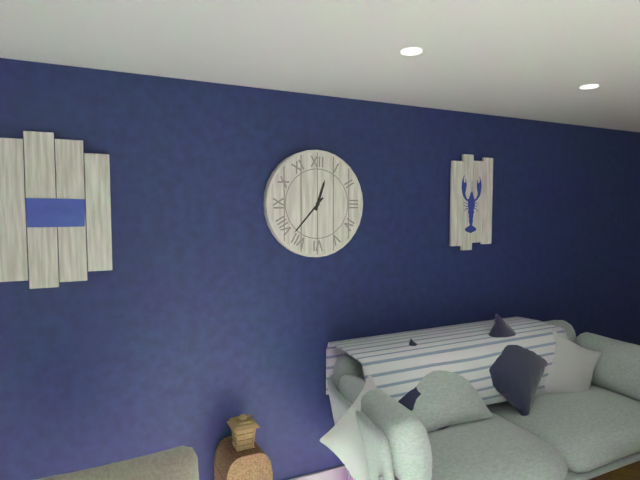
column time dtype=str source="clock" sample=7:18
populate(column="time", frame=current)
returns 12:37
